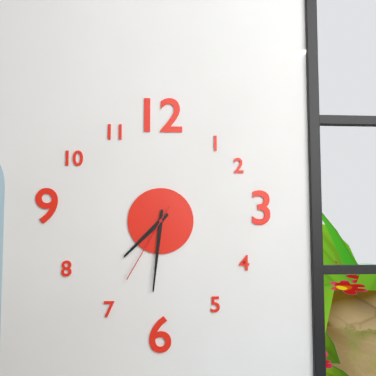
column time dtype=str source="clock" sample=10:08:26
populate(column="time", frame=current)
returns 7:31:35
